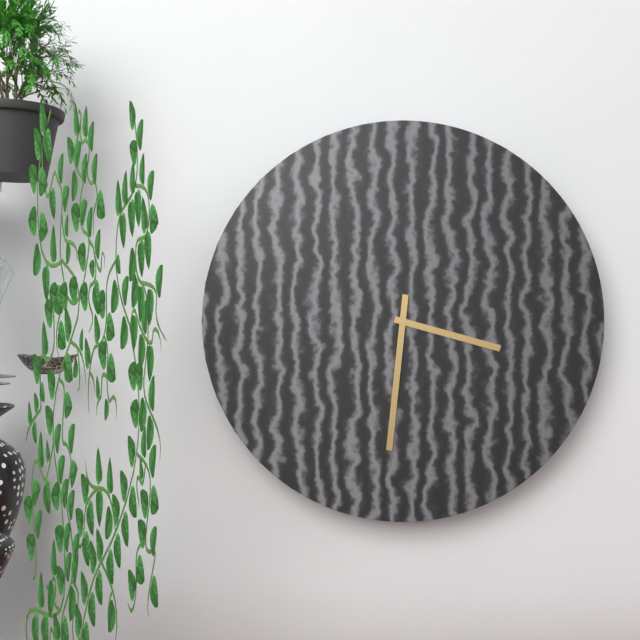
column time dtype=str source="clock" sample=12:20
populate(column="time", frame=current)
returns 3:31
